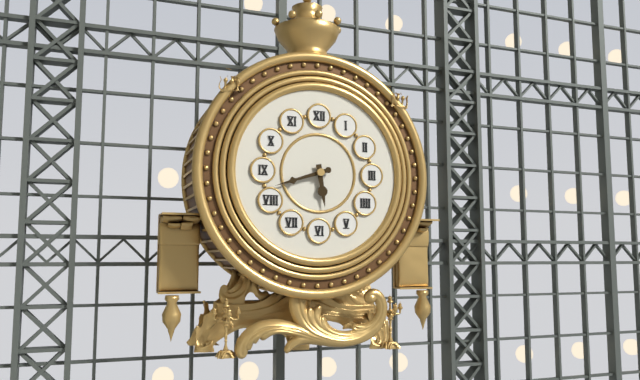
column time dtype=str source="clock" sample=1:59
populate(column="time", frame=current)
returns 5:42
